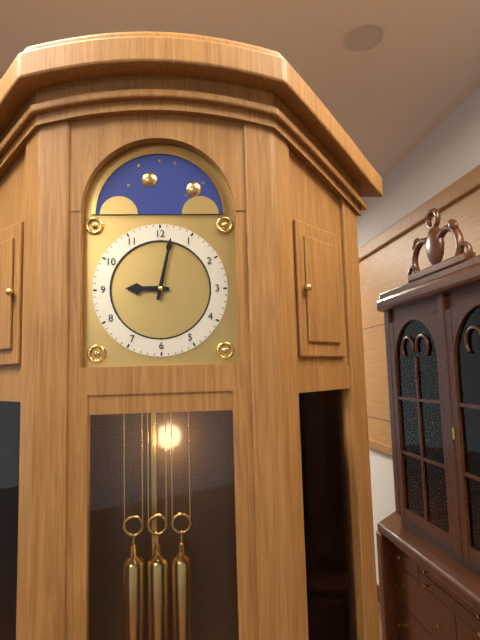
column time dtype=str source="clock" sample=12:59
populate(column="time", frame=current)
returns 9:02
